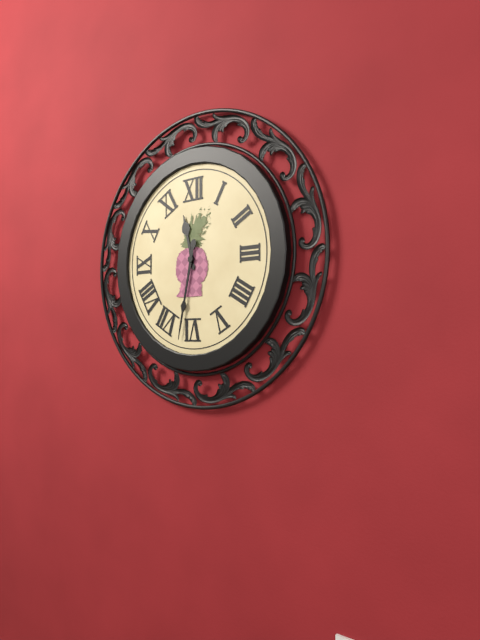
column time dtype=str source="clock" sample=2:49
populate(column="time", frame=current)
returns 11:32
